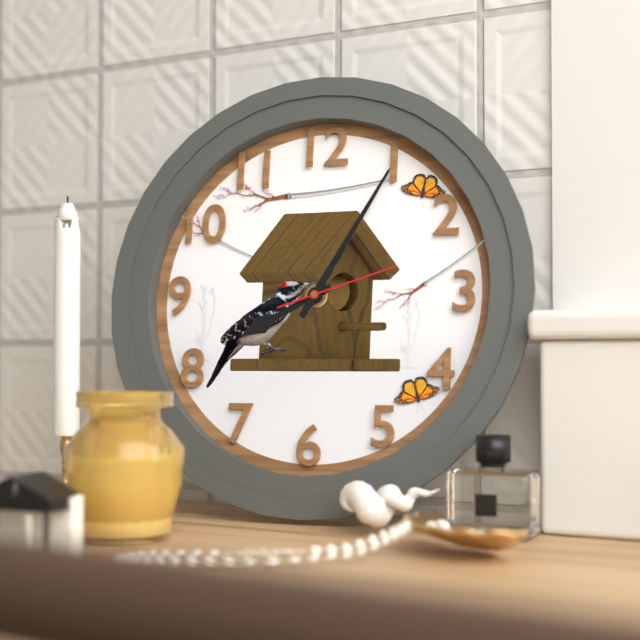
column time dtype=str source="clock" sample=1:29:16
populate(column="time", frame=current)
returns 8:05:12
